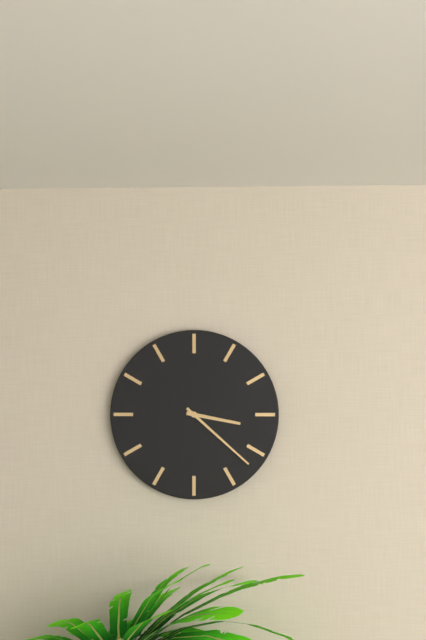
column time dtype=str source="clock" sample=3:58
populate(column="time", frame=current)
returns 3:22
